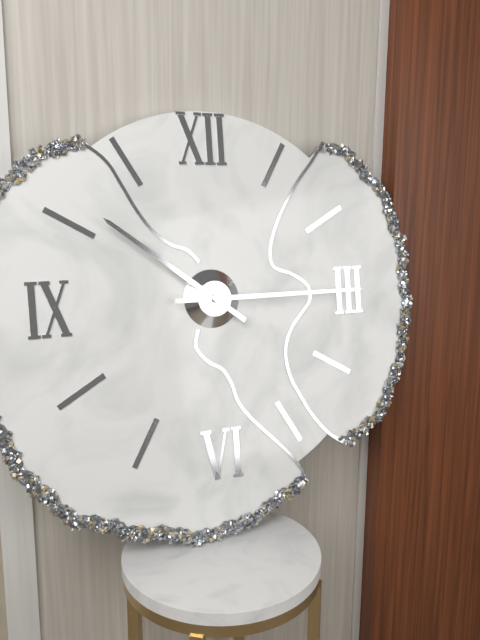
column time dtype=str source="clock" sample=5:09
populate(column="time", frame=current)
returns 10:15
